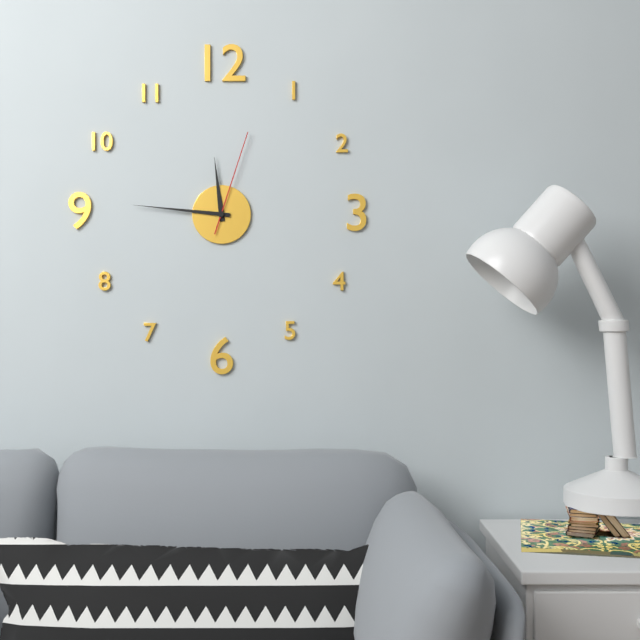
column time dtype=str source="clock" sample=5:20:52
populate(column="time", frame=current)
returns 11:46:03
